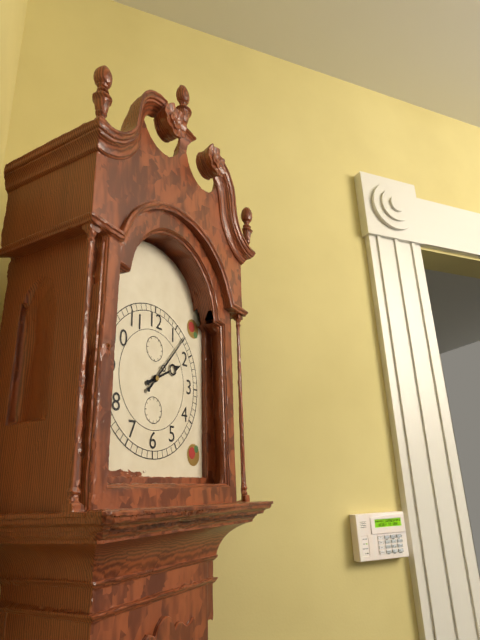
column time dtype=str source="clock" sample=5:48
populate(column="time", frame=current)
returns 2:07
